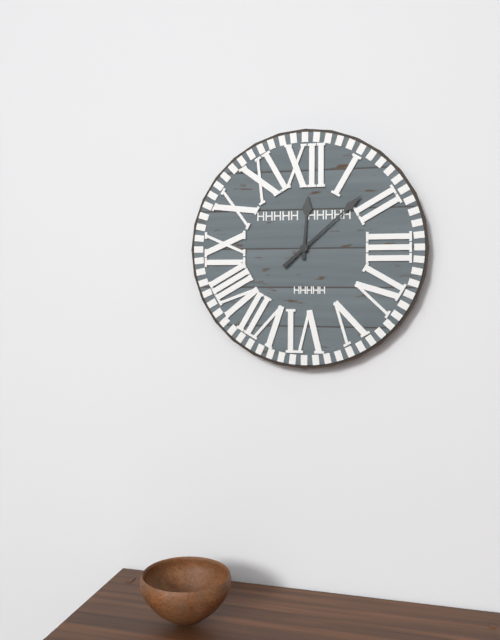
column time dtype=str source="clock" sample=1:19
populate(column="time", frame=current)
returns 12:08
